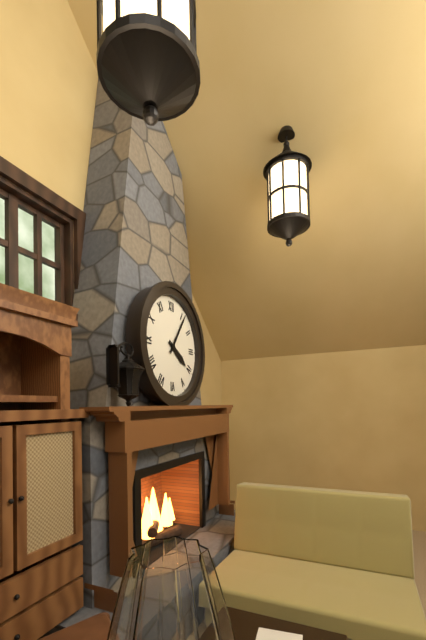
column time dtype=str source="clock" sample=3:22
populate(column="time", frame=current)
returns 4:06
